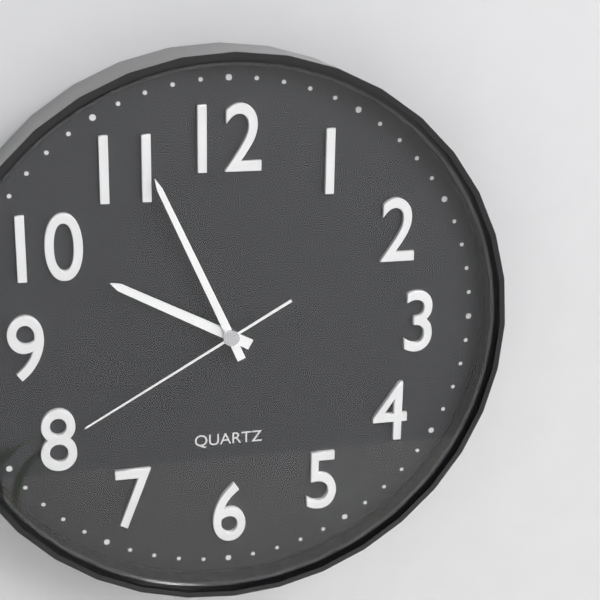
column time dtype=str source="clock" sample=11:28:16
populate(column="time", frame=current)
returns 9:56:40
